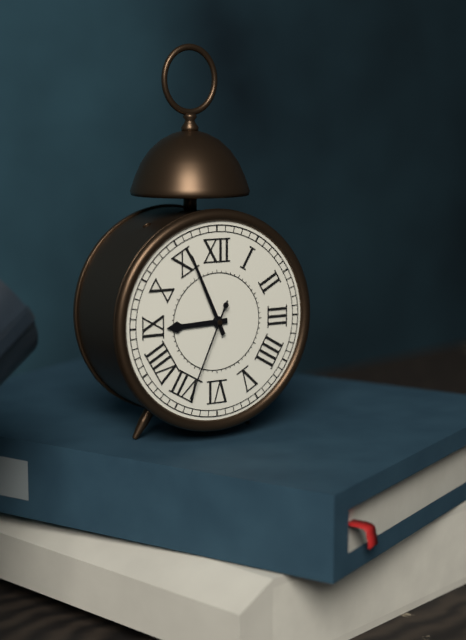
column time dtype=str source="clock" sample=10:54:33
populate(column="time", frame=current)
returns 8:56:34
